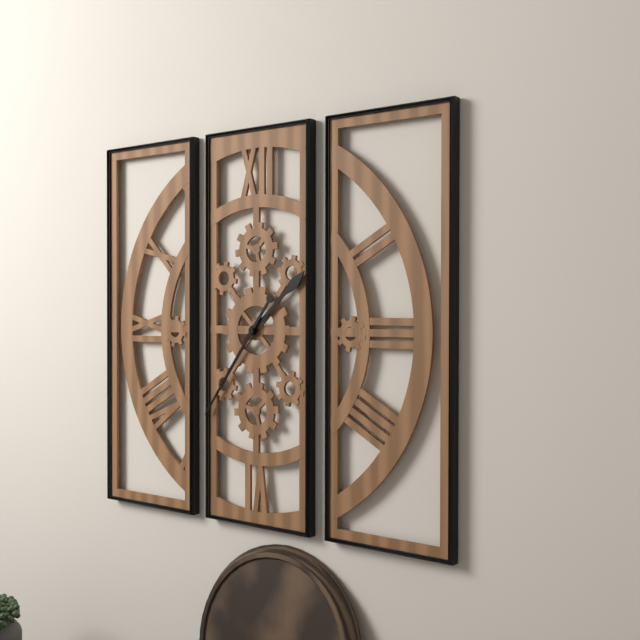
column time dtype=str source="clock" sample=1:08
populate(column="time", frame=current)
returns 1:36
